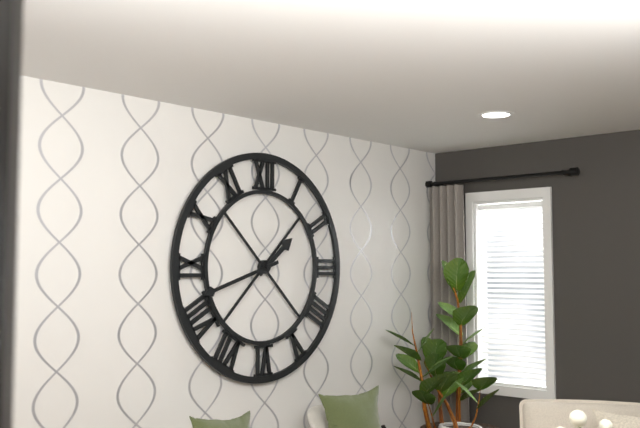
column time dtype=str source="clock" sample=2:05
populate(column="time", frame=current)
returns 1:42
